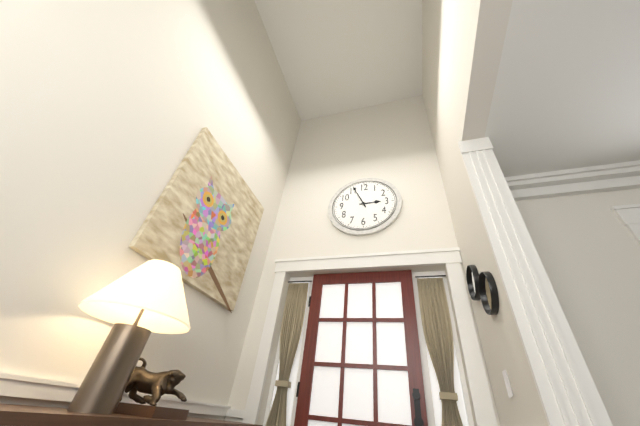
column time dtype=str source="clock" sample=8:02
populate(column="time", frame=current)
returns 2:56
